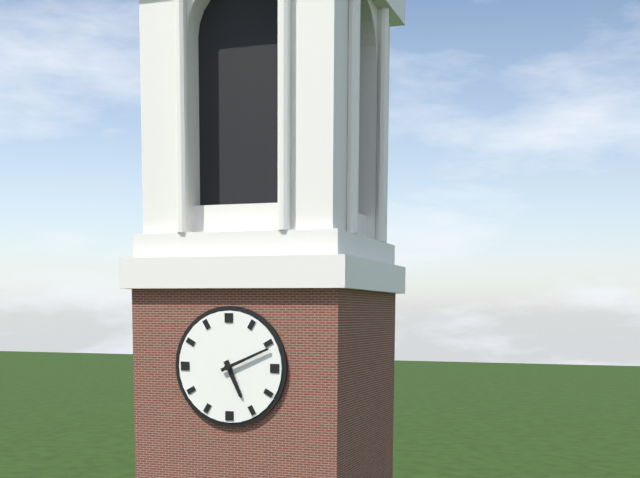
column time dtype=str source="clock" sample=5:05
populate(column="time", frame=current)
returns 5:11
